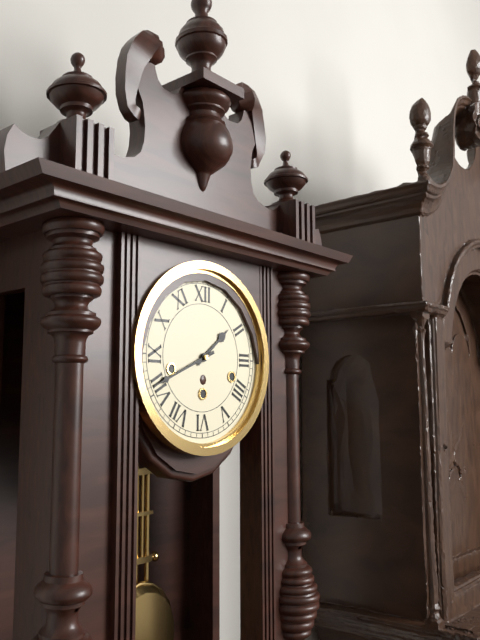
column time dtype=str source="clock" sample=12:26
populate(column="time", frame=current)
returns 1:41
